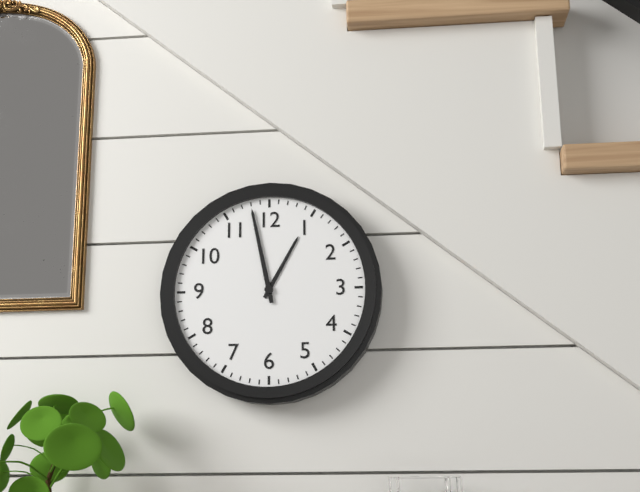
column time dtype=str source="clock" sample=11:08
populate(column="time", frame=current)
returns 12:58
